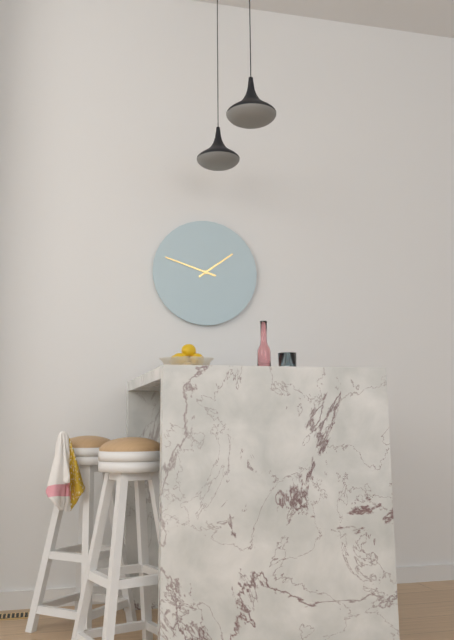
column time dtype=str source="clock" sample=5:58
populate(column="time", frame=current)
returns 1:48
